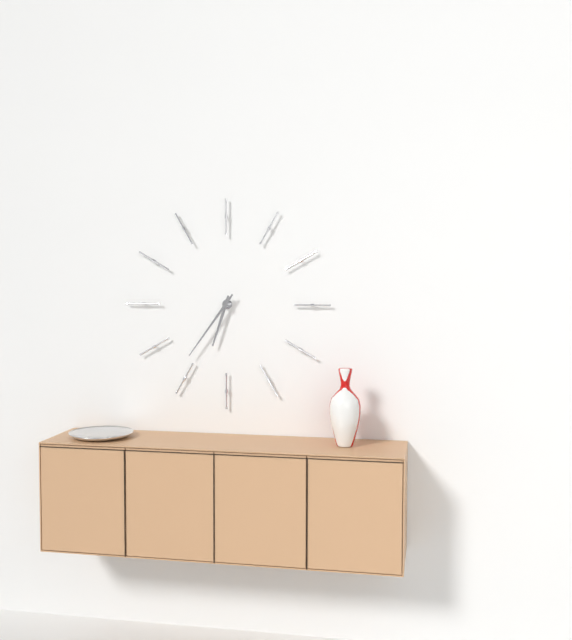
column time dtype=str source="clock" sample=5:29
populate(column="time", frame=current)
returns 6:36
